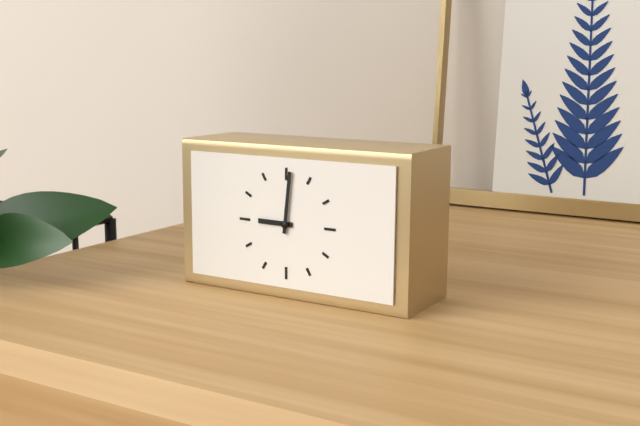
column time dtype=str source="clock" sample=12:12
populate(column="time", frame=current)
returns 9:01
